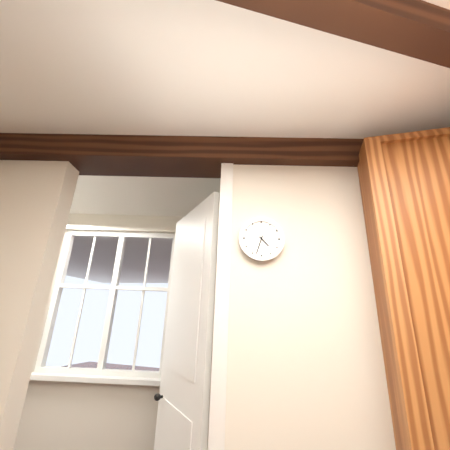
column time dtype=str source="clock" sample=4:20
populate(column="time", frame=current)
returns 4:33
